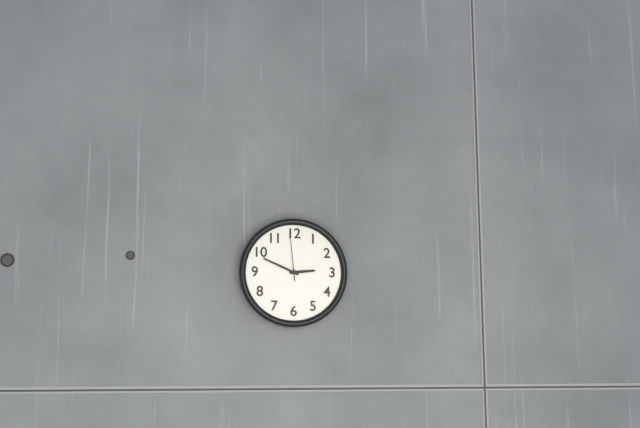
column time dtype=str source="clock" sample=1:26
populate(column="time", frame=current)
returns 2:49
